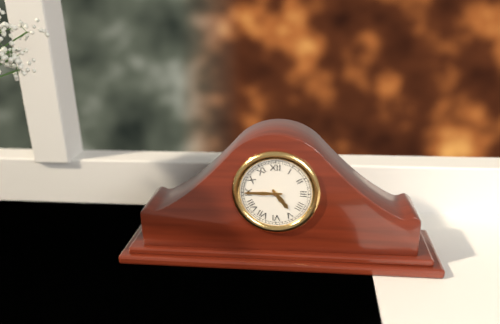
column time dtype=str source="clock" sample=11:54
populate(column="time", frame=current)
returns 4:45
